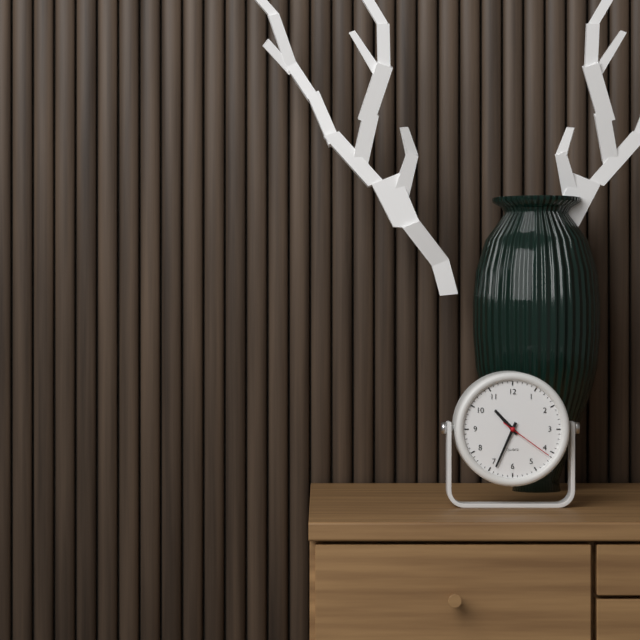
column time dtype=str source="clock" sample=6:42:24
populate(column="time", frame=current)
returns 10:34:21
